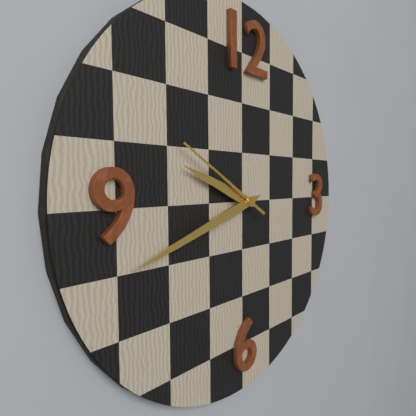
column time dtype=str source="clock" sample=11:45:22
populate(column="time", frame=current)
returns 9:42:50
